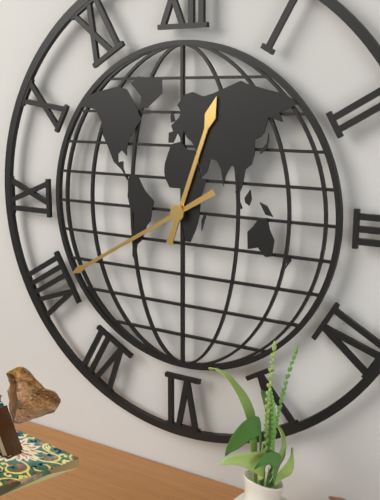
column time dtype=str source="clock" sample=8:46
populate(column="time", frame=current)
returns 12:40
